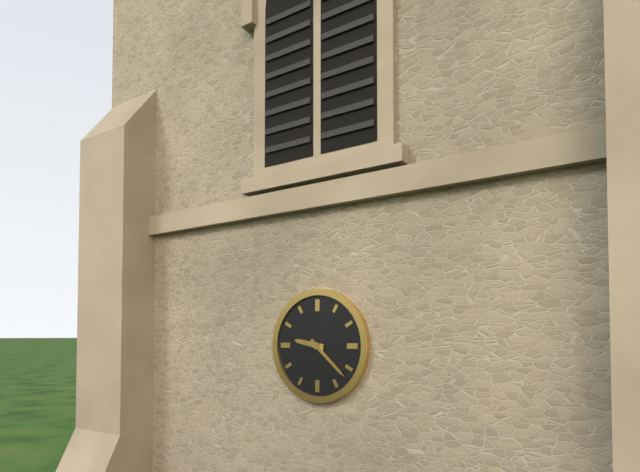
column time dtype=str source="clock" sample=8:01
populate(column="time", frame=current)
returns 9:22
